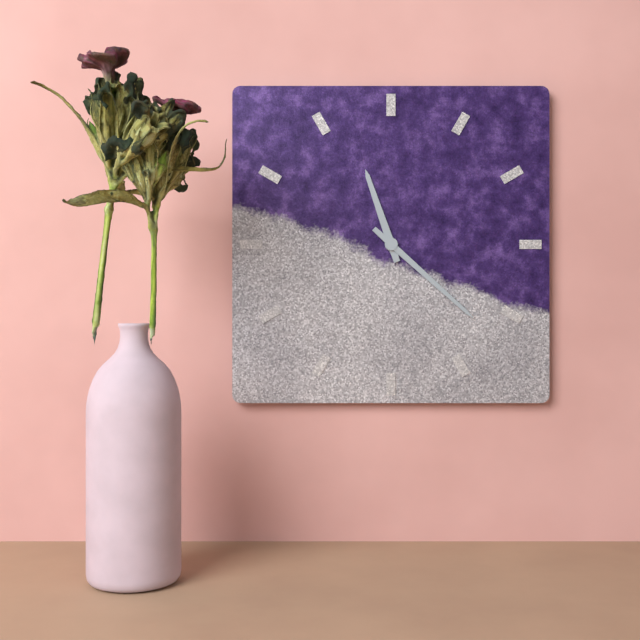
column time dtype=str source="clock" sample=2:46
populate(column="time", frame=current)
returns 11:22
